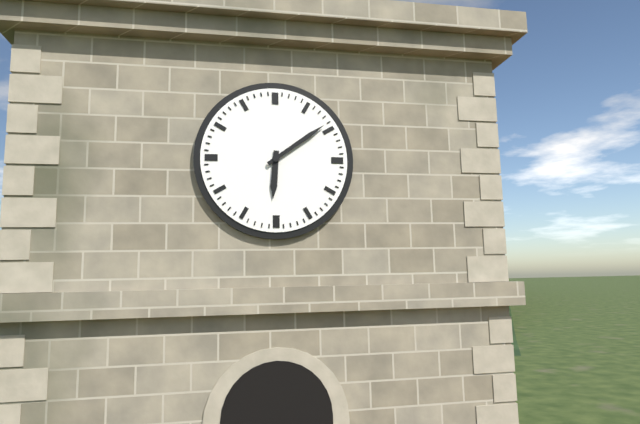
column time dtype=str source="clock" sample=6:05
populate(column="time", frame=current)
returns 6:09
